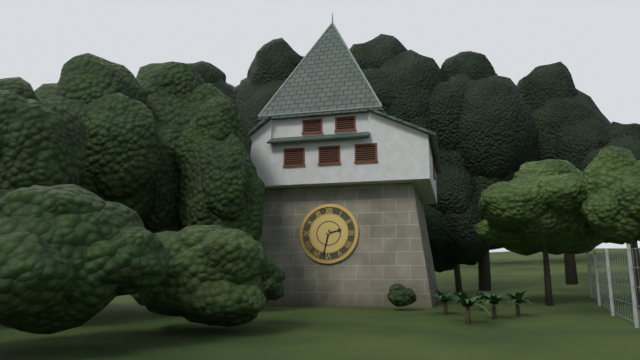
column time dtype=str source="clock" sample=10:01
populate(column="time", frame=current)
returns 2:32
